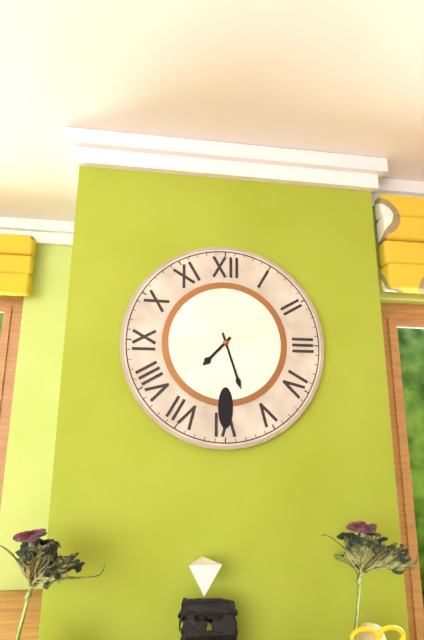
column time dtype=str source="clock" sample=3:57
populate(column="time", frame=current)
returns 7:27
